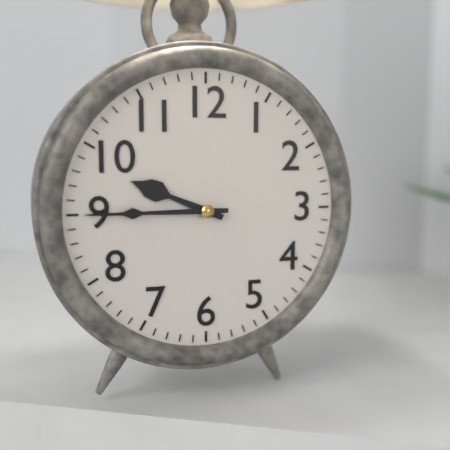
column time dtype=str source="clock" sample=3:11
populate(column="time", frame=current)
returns 9:45
